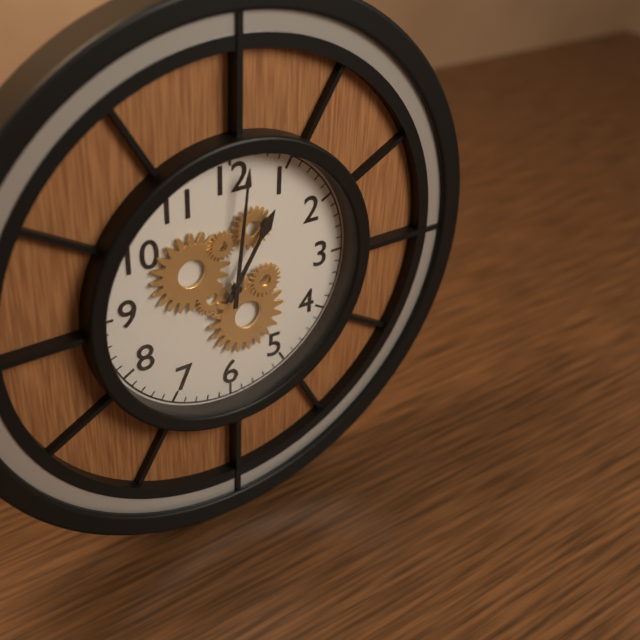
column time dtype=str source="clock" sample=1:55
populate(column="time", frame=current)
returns 1:01
